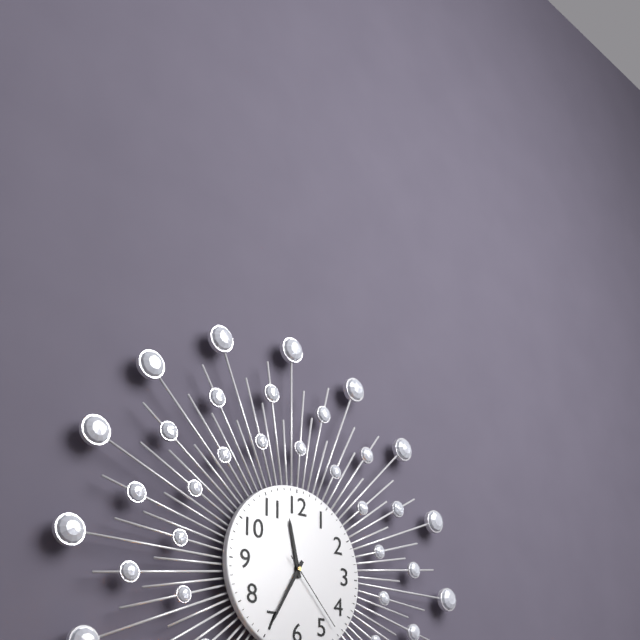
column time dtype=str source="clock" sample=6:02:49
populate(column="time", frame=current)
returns 11:35:23
